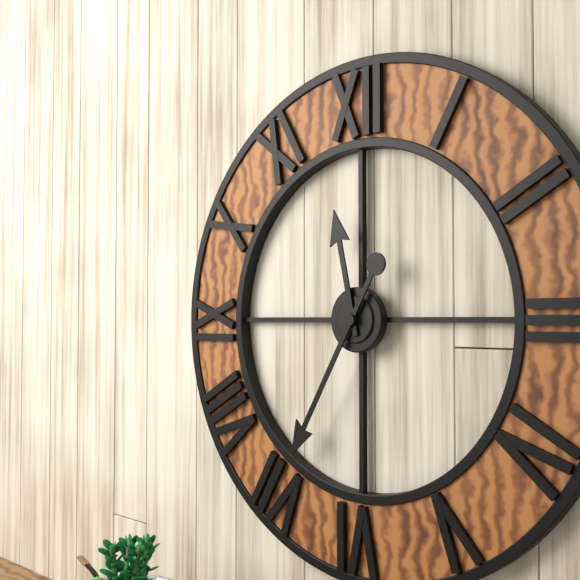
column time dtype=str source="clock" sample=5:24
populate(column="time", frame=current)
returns 11:35
